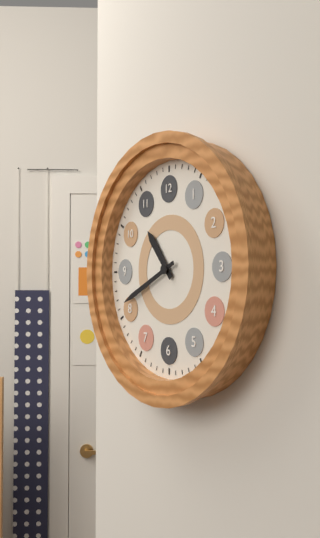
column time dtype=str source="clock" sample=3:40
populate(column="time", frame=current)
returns 10:41
